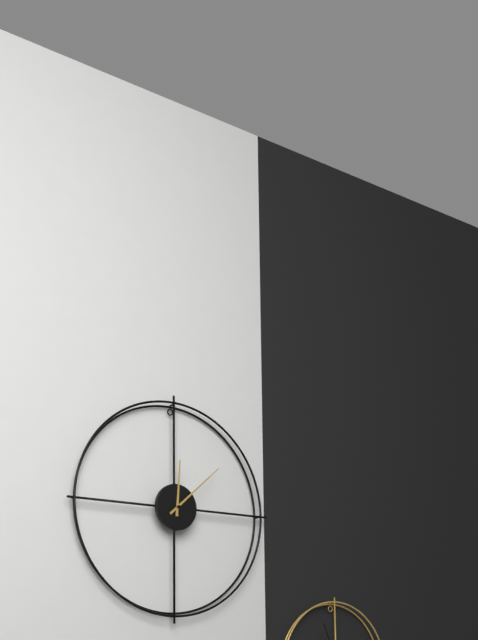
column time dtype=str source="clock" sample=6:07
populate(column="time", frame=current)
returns 12:08
